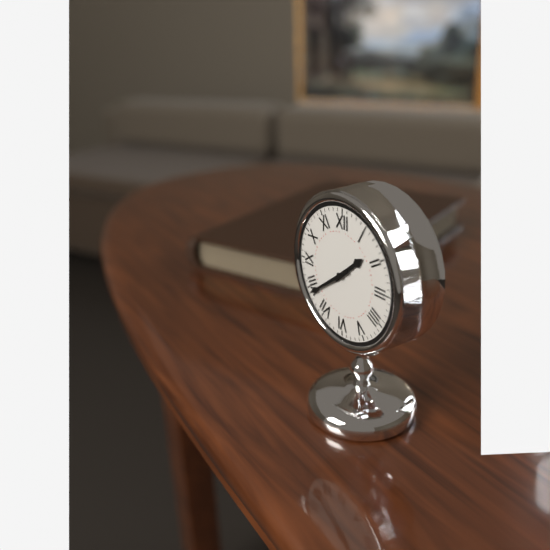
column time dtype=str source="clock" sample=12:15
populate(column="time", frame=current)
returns 1:39
